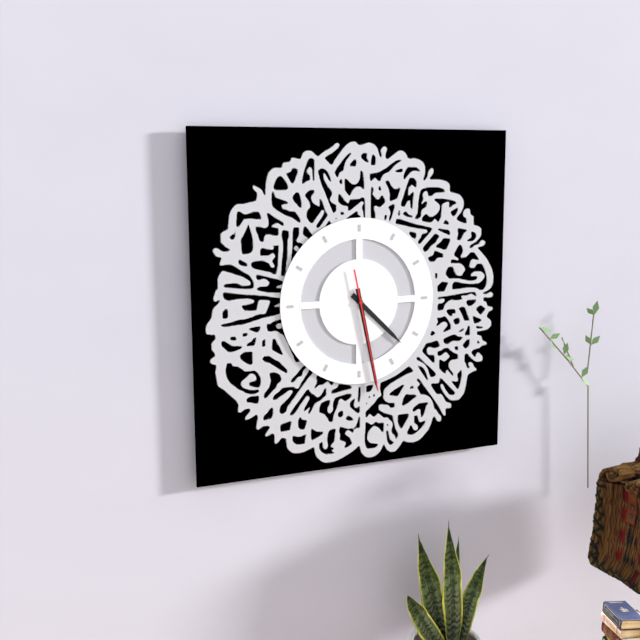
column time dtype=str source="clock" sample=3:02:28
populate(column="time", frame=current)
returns 4:28:28
